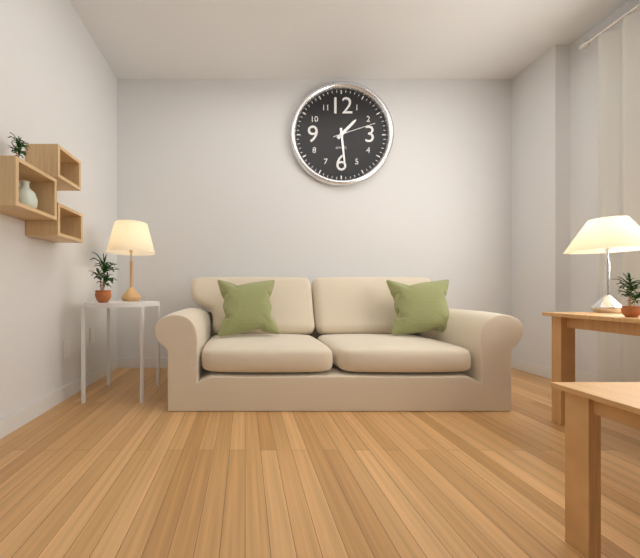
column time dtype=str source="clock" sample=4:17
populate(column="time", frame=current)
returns 1:29
